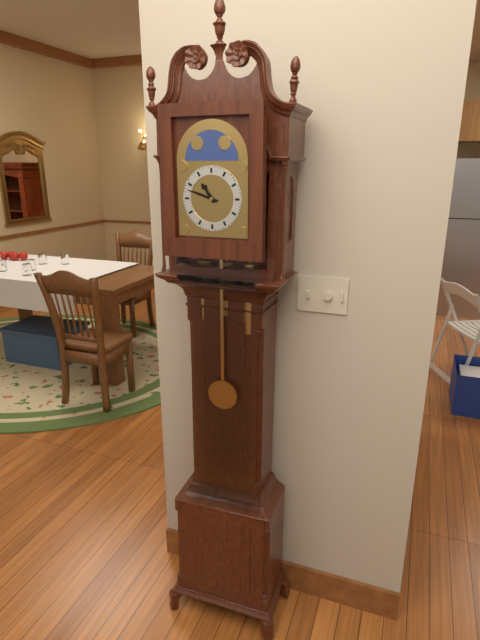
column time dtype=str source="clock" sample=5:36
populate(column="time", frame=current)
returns 10:48
